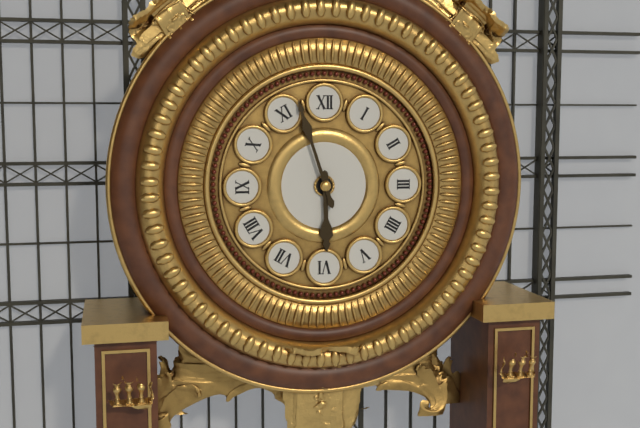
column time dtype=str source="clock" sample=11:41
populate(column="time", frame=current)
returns 5:57
